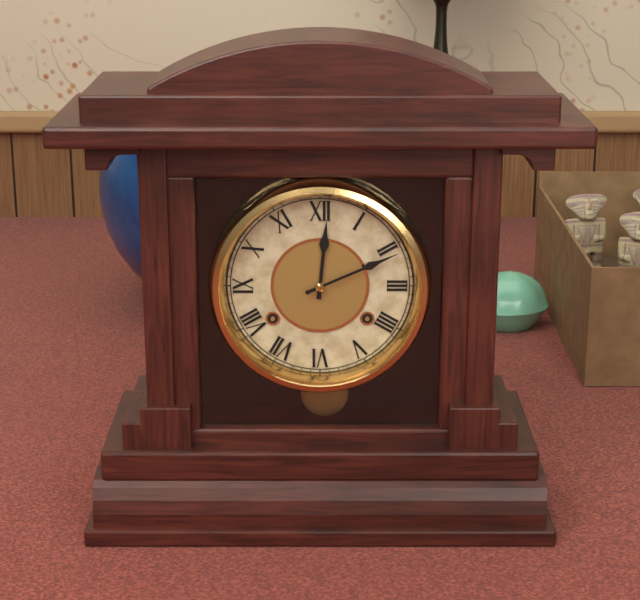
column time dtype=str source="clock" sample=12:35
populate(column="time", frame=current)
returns 12:11
